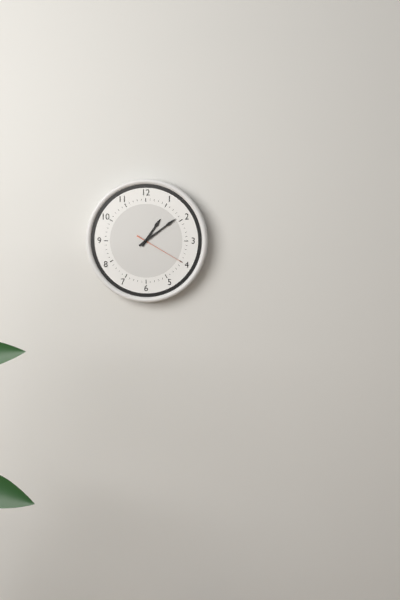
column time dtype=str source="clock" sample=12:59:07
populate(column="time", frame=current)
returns 1:09:20
